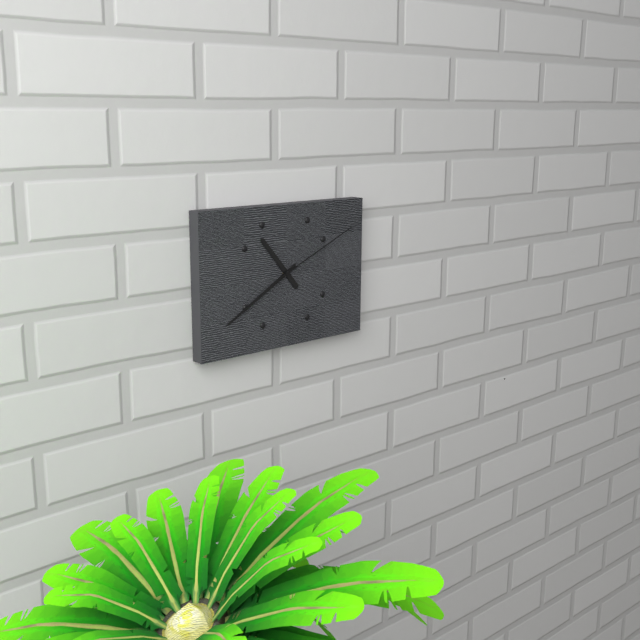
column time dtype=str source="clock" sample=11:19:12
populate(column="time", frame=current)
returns 10:40:11
